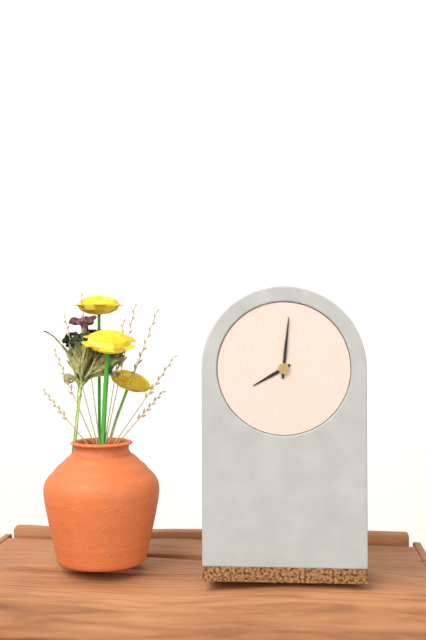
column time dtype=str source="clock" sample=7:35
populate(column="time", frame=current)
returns 8:01
